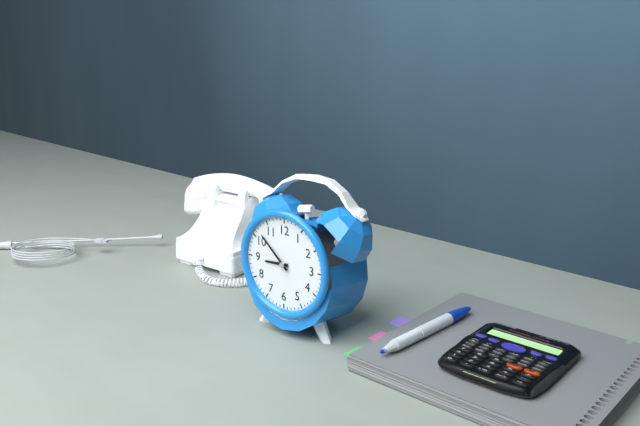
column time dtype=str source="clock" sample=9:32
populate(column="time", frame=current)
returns 8:52
